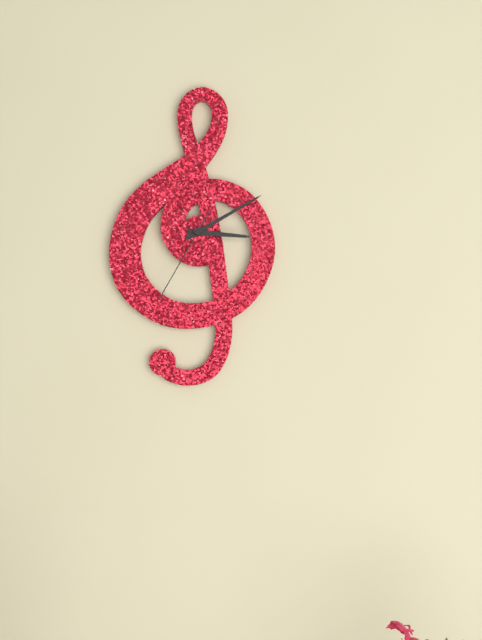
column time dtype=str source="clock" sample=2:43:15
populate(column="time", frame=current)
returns 3:10:35
